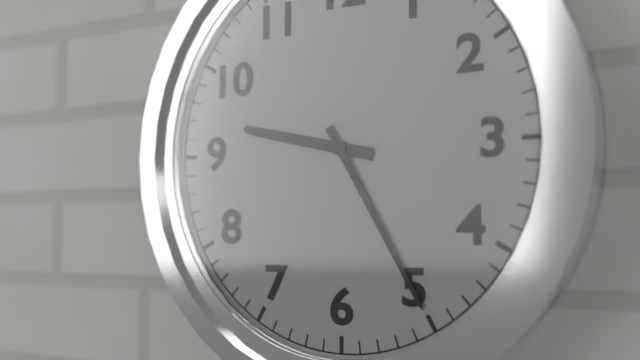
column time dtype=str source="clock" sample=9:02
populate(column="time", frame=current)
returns 9:25
